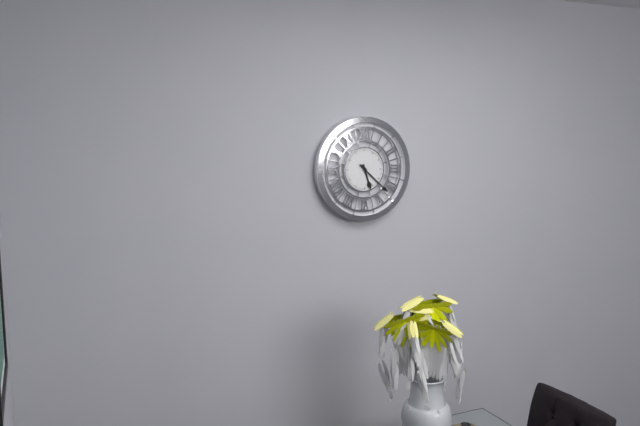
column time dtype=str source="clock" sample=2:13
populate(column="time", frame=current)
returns 5:22
